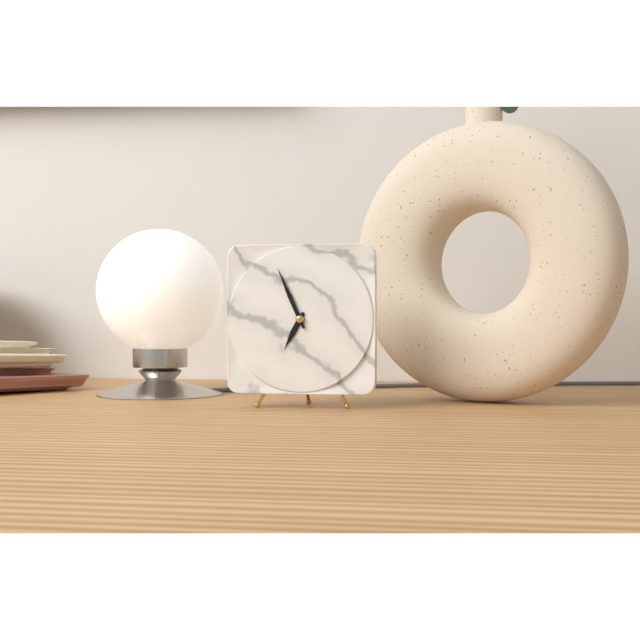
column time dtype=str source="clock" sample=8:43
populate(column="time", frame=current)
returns 6:56
